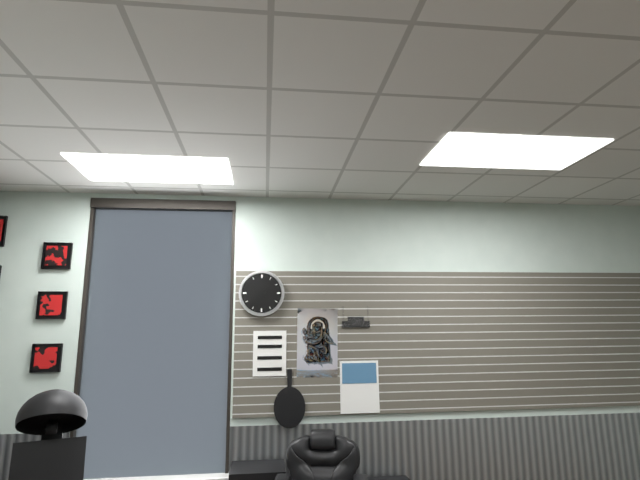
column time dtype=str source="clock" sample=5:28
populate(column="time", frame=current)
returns 2:36
